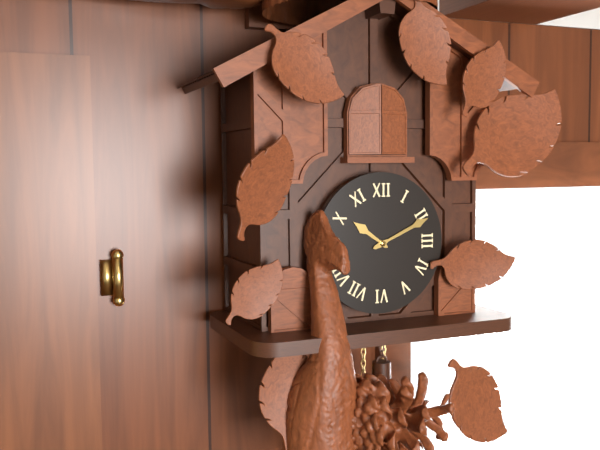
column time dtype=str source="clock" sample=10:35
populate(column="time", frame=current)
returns 10:11
